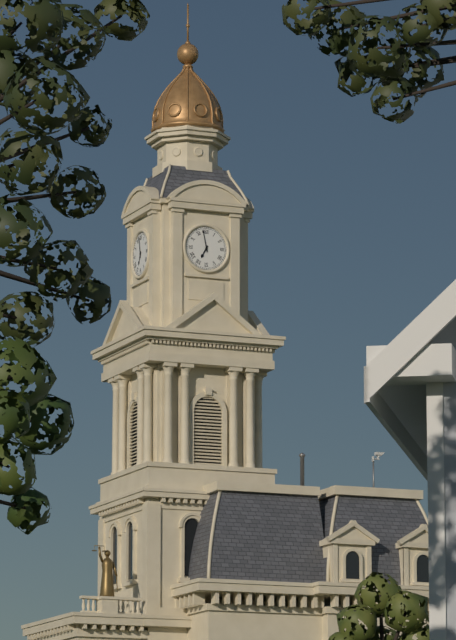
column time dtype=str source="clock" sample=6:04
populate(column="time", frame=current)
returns 6:58
